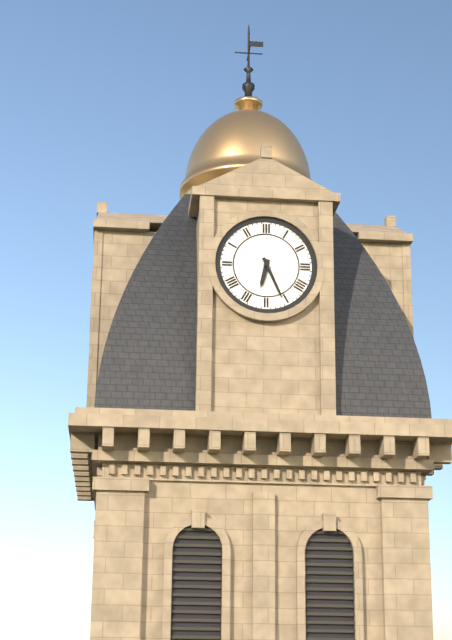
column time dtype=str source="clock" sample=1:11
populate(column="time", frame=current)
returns 6:26
